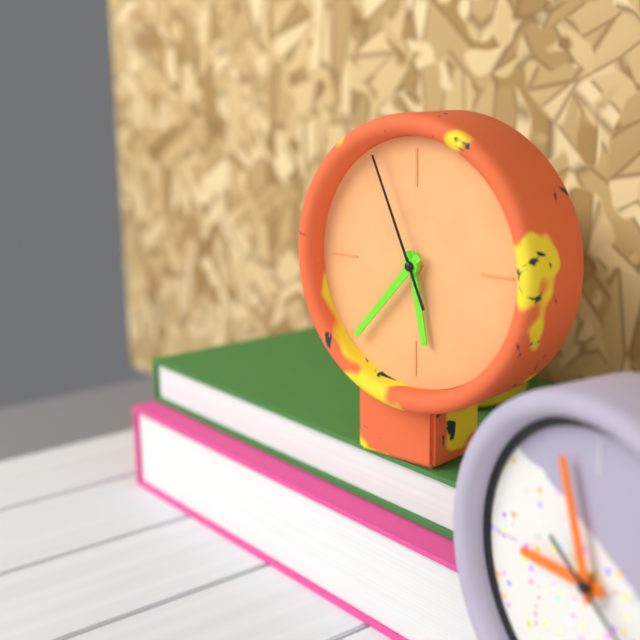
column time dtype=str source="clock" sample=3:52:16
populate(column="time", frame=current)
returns 5:37:56
